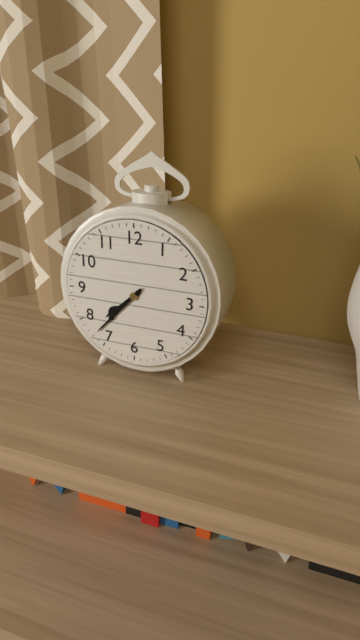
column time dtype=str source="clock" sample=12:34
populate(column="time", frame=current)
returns 7:37
